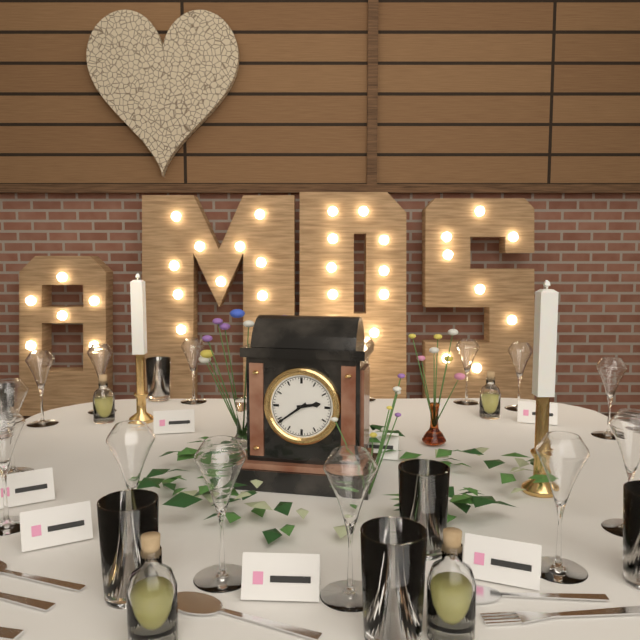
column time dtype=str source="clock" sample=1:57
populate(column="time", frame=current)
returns 2:39
